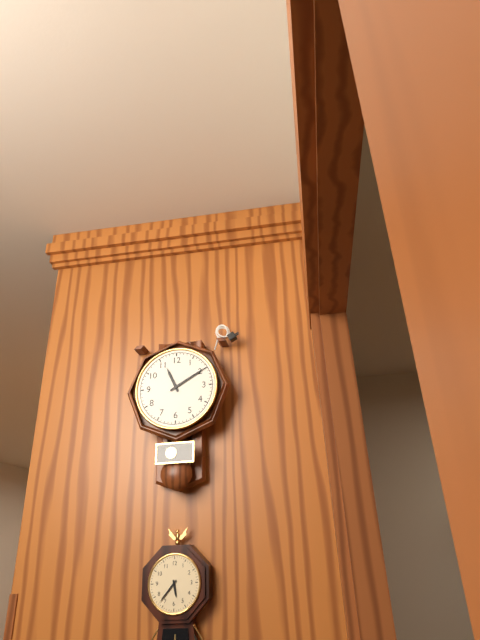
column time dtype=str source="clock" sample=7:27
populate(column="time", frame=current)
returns 11:10
